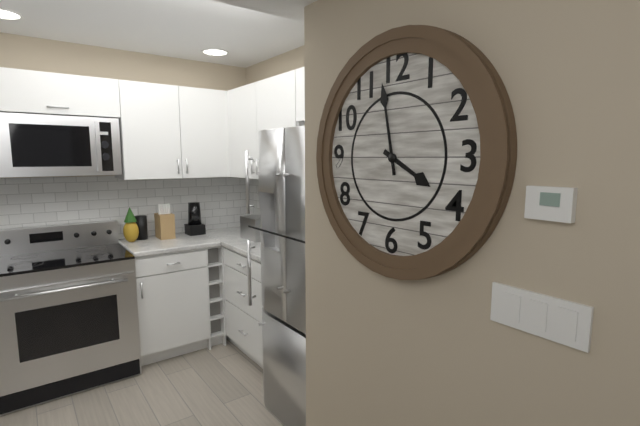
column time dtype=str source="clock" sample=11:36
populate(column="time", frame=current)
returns 3:58
